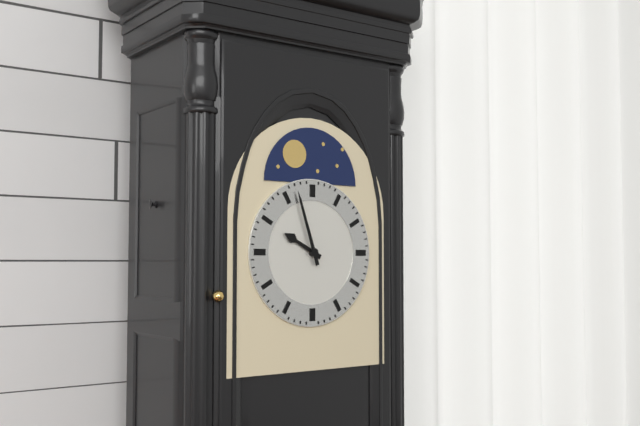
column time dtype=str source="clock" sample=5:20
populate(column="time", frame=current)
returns 9:57
